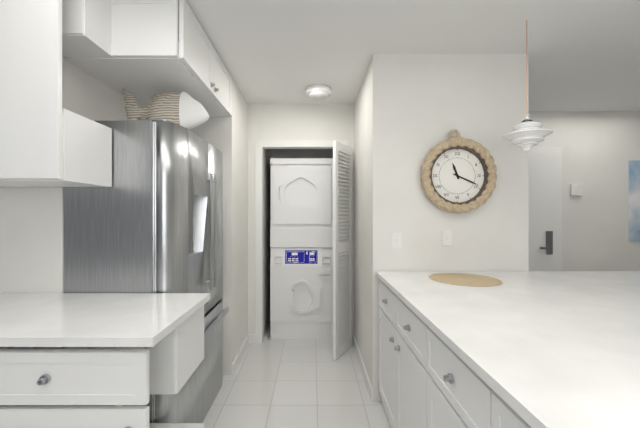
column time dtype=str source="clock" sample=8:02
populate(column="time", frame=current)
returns 11:19
